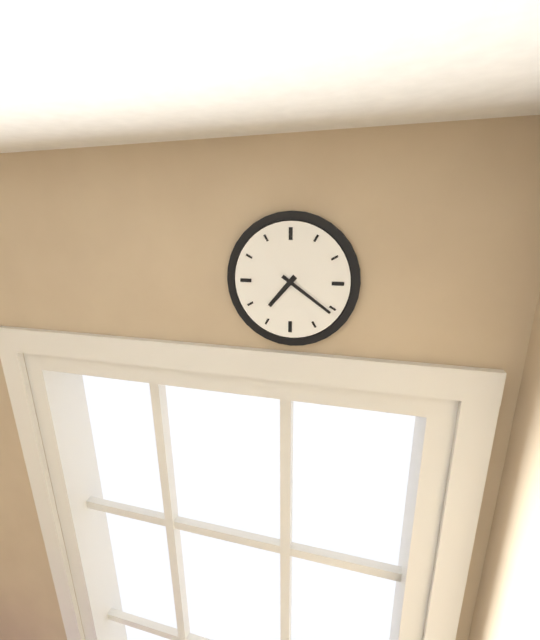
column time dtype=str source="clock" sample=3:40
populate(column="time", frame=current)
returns 7:21
